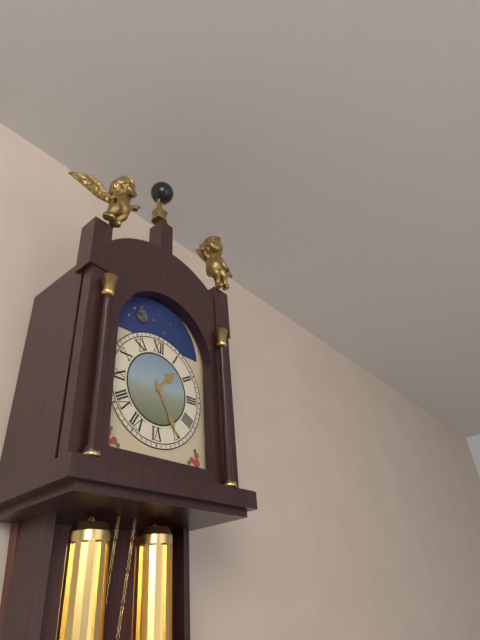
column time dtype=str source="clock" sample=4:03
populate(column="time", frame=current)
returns 1:25
